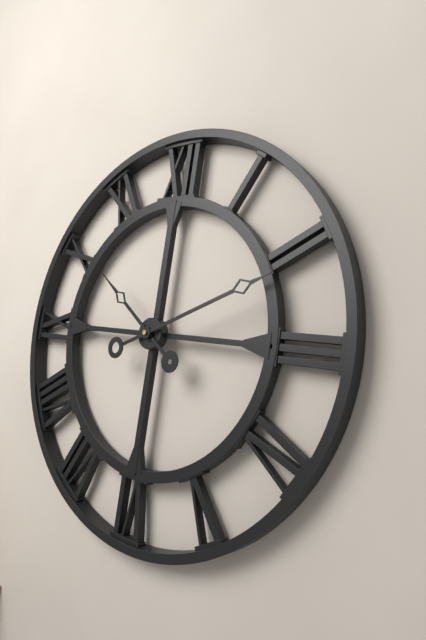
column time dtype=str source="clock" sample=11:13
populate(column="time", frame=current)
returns 10:11
